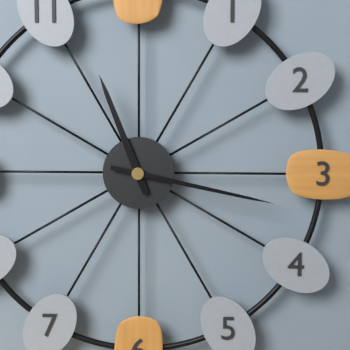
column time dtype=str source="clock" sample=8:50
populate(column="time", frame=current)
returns 11:17
